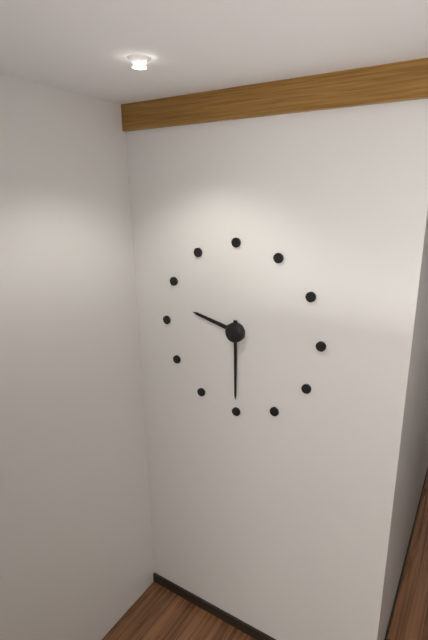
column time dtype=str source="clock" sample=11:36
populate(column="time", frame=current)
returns 9:30
